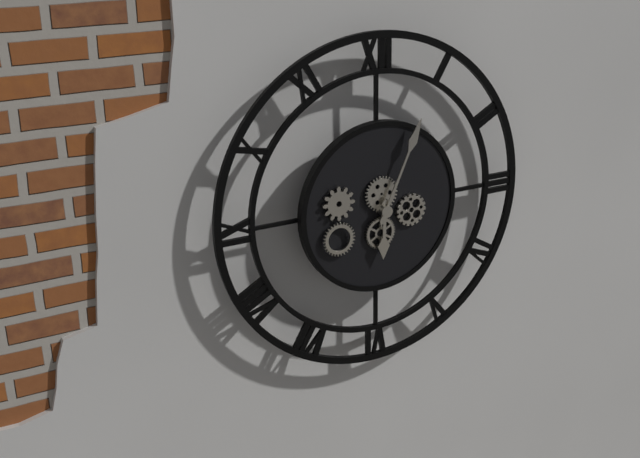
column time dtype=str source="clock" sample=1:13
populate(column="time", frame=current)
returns 6:04
